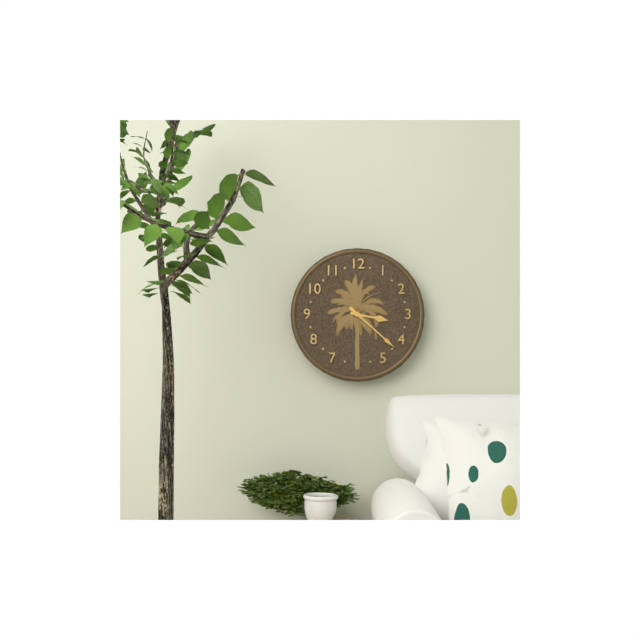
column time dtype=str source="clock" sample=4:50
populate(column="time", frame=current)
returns 3:22
